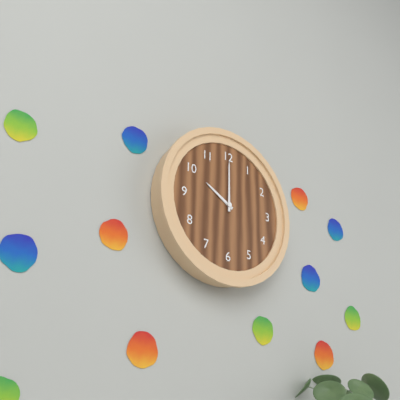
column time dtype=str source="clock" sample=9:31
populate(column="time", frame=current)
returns 10:00
